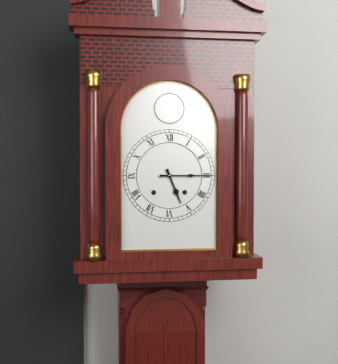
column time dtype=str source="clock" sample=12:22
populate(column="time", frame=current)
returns 5:15
